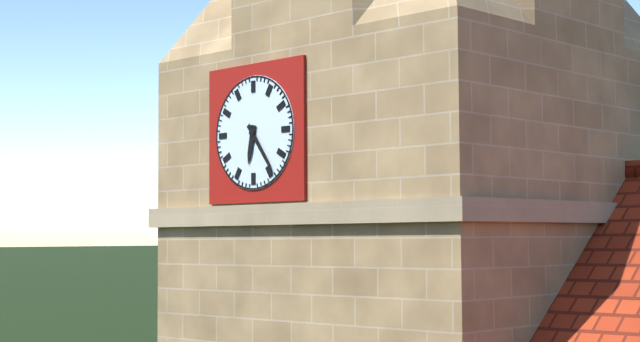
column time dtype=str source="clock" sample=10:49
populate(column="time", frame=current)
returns 6:24
